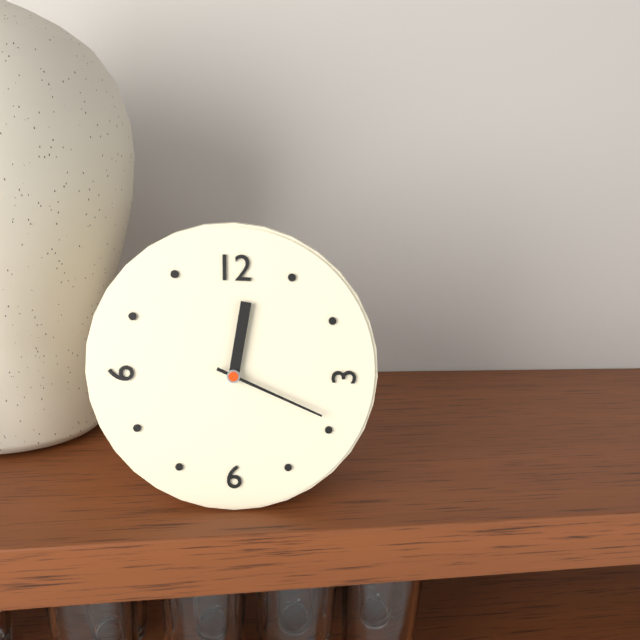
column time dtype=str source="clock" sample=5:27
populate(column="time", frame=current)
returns 12:19
